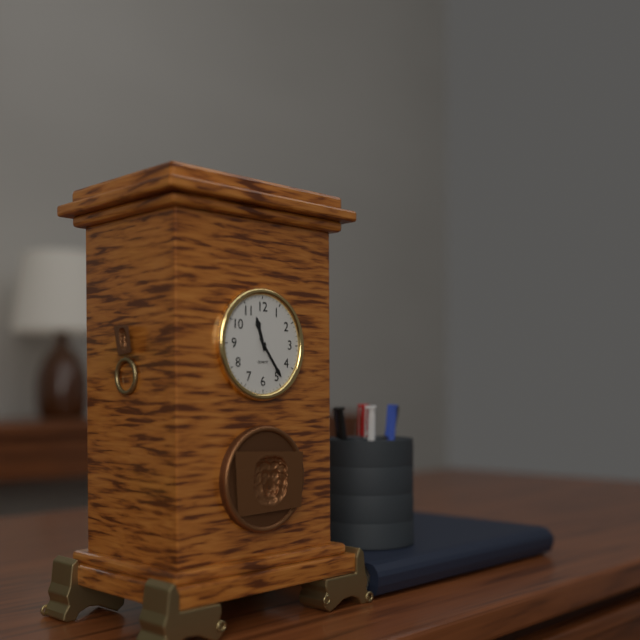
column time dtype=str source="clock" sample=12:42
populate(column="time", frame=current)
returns 11:24
